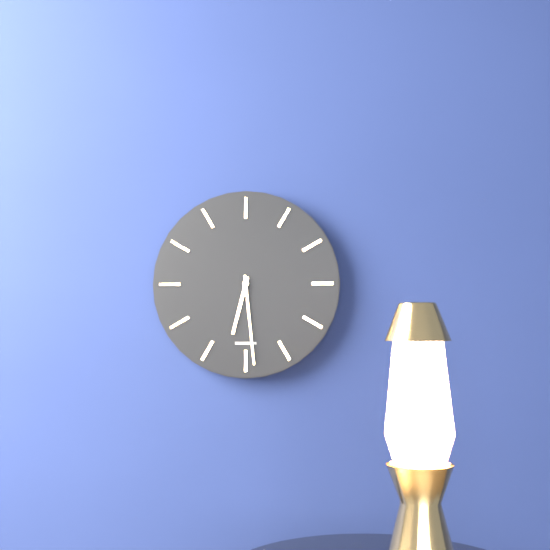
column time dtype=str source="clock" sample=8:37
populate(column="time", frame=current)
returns 6:29
